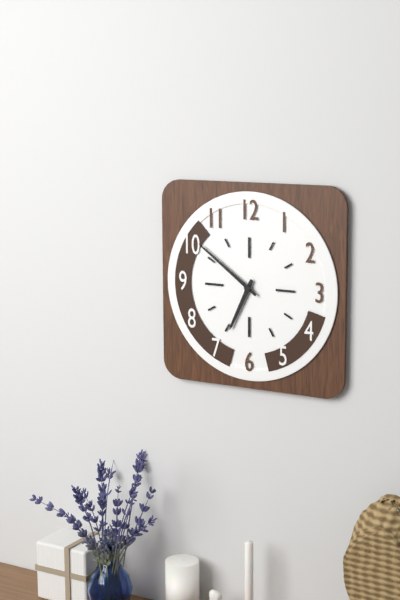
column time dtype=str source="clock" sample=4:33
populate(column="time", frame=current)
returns 6:51
